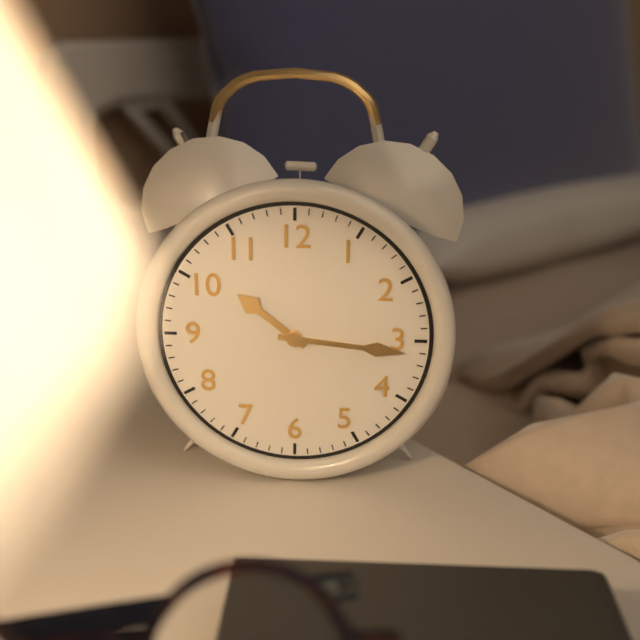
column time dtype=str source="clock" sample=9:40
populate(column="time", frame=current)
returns 10:16
